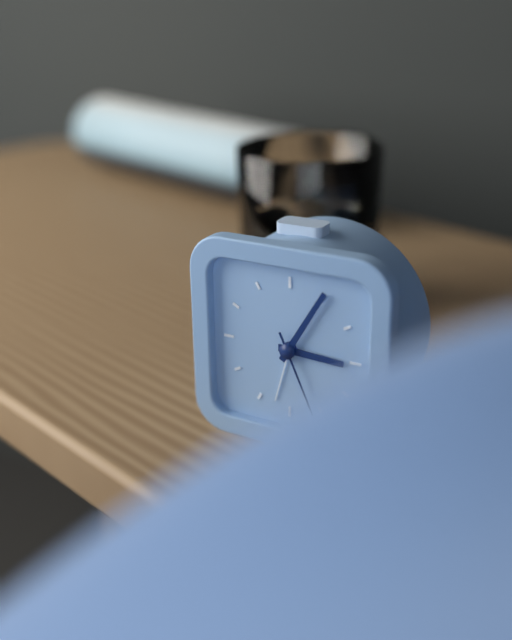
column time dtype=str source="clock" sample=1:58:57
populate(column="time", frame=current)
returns 3:05:26
